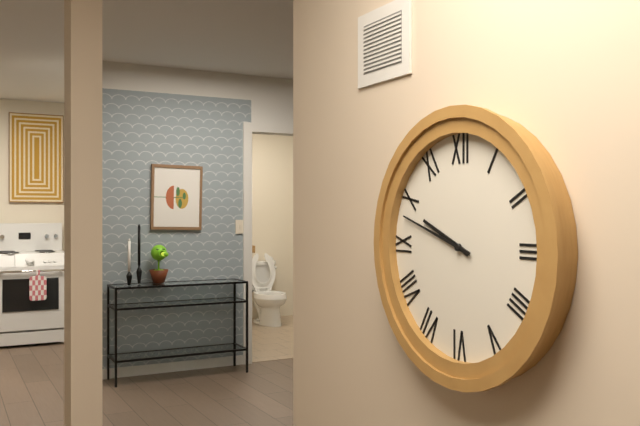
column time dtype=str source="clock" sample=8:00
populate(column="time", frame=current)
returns 9:48
